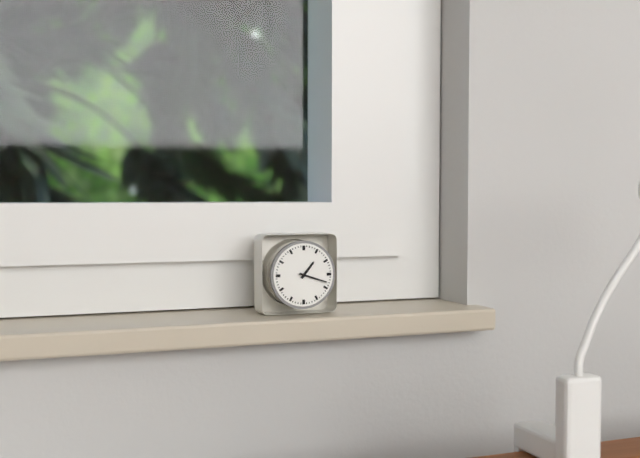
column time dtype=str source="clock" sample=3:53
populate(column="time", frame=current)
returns 1:18
